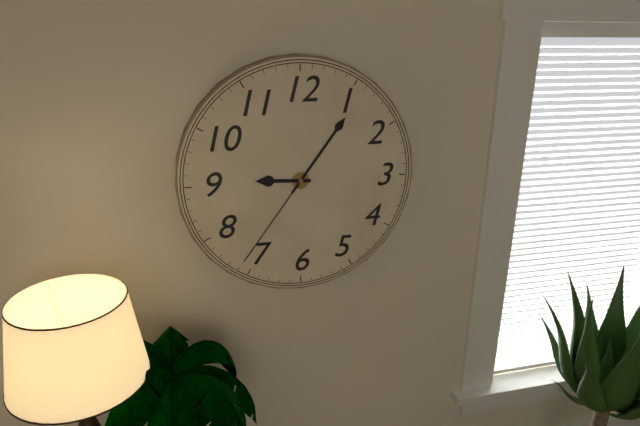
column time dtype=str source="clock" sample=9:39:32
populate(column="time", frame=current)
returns 9:06:36
